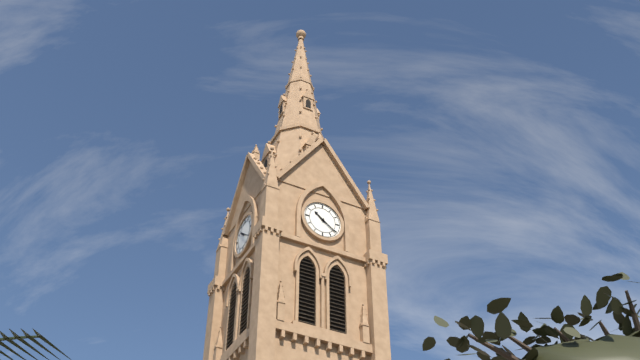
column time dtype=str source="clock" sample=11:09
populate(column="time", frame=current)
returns 10:21
